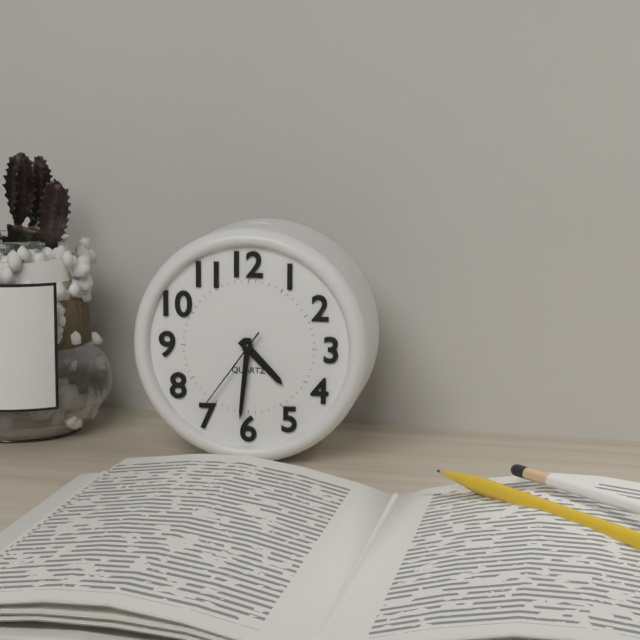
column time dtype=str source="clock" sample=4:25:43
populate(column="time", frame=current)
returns 4:31:36
